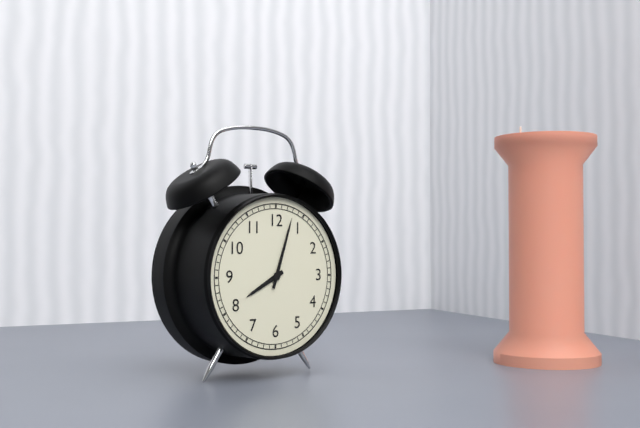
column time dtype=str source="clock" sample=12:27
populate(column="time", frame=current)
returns 8:03
